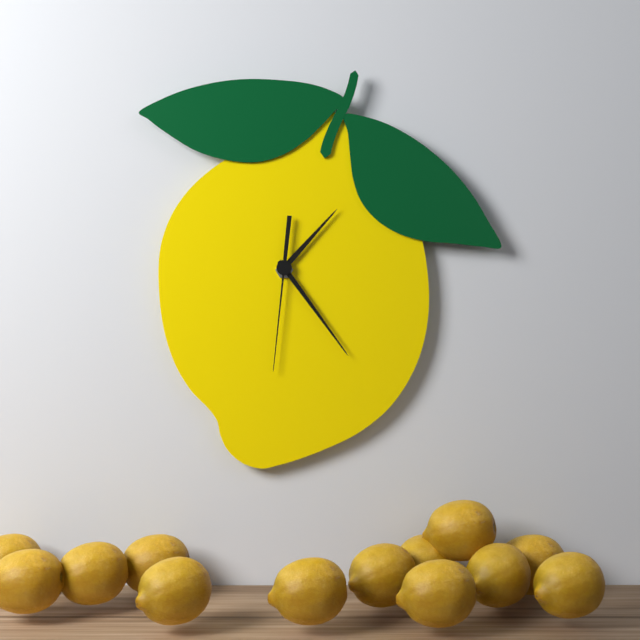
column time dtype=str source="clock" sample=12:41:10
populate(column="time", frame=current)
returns 1:24:31
